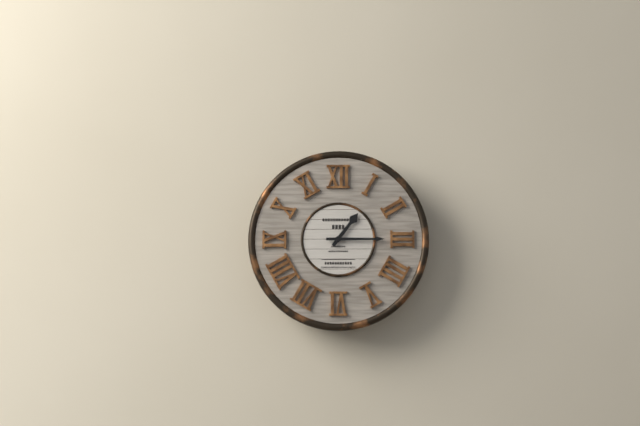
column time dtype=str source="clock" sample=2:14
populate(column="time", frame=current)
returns 1:15
